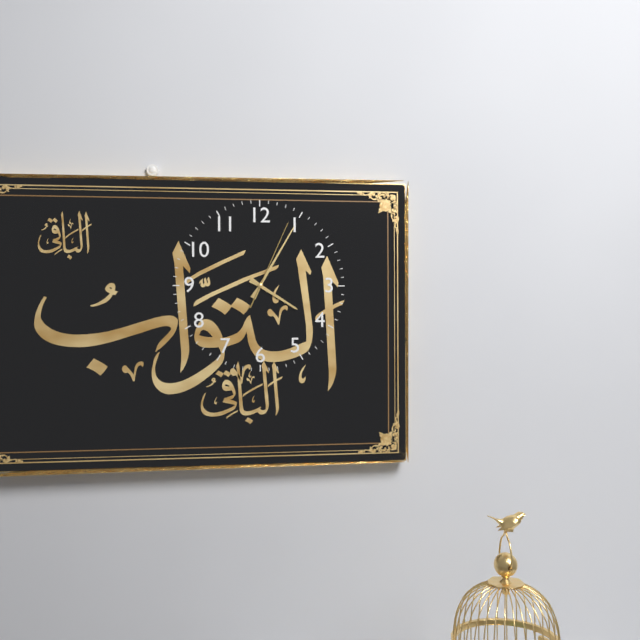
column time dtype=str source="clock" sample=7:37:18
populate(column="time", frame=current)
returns 4:05:04
